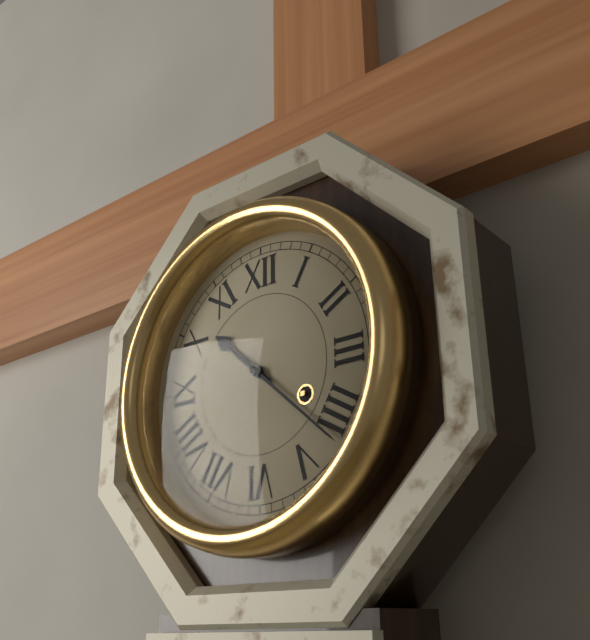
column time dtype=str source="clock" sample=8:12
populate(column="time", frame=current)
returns 10:22
